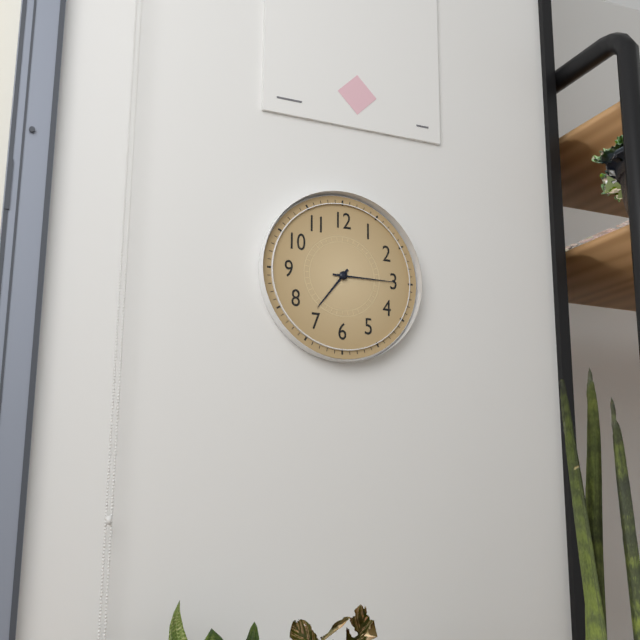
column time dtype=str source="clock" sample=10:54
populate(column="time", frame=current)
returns 7:15
